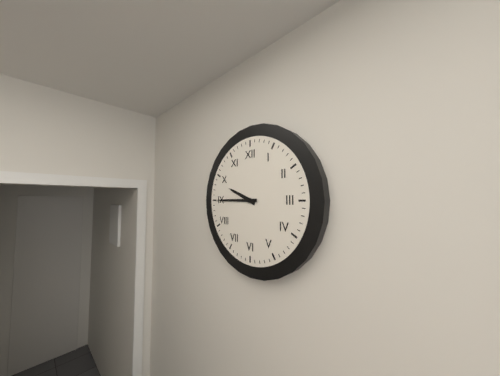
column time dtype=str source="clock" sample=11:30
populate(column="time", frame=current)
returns 9:45
